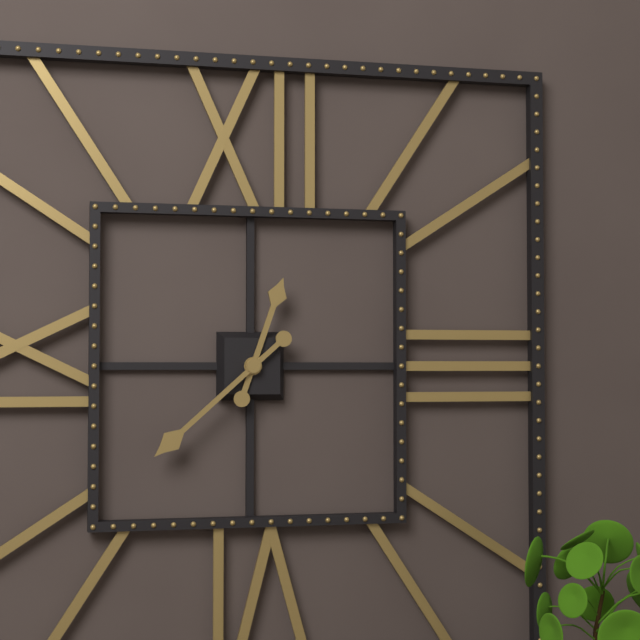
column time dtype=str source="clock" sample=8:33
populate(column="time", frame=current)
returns 12:38
